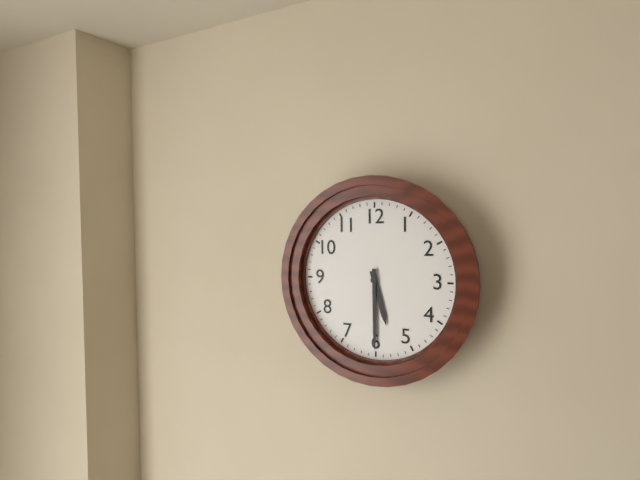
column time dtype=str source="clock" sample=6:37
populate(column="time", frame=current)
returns 5:30
